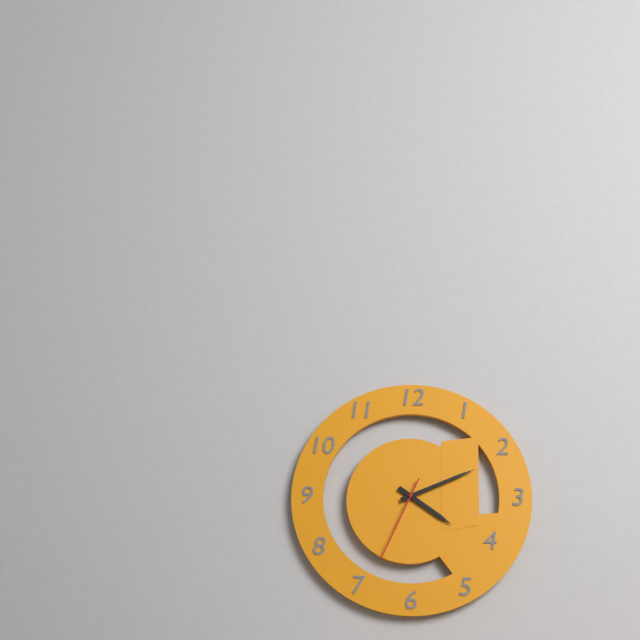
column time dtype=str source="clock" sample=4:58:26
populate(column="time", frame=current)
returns 4:11:34
